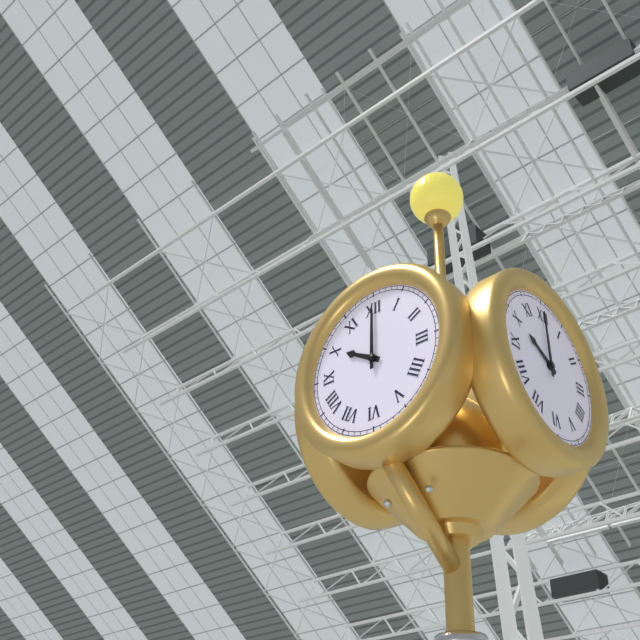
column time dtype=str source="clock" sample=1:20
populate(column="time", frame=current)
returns 10:00
